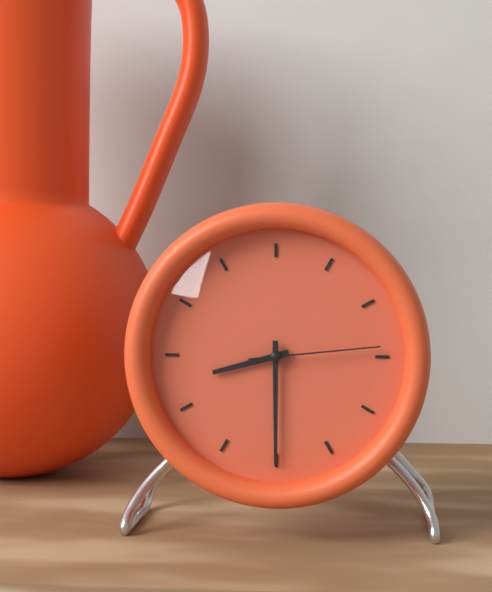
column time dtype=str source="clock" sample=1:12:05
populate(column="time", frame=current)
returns 8:30:14
